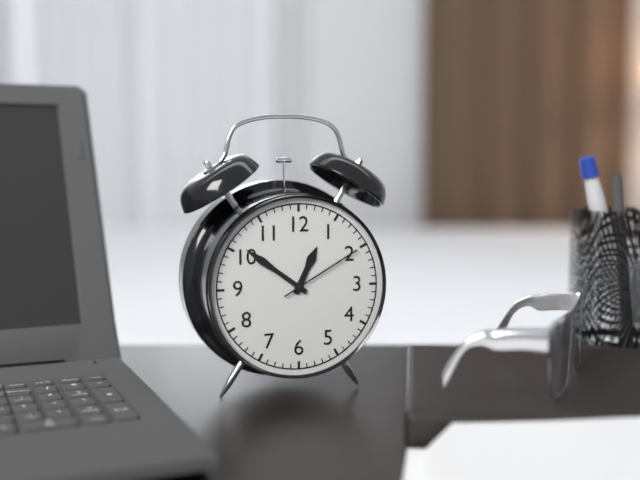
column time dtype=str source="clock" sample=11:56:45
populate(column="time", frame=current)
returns 12:51:10
